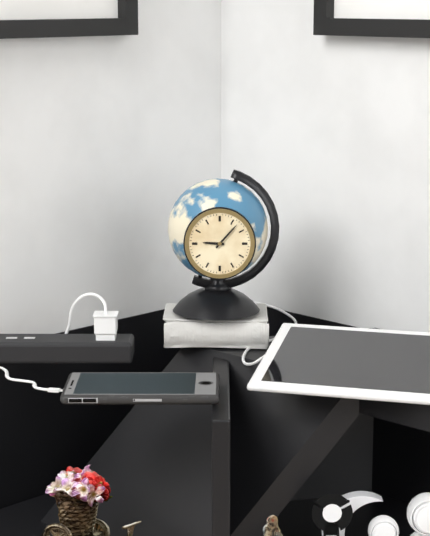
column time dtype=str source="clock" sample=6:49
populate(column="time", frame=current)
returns 9:07
